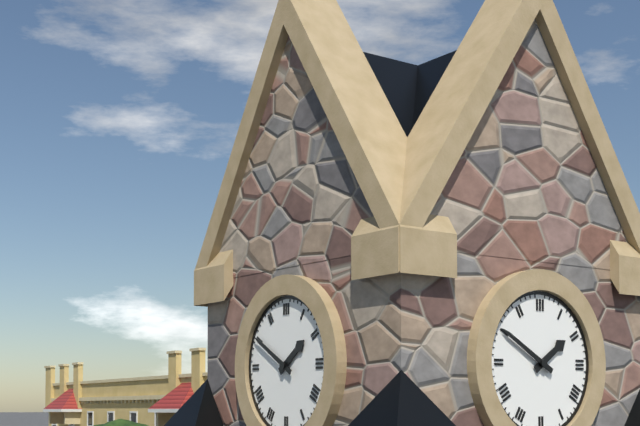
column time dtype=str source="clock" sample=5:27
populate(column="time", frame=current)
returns 1:50
